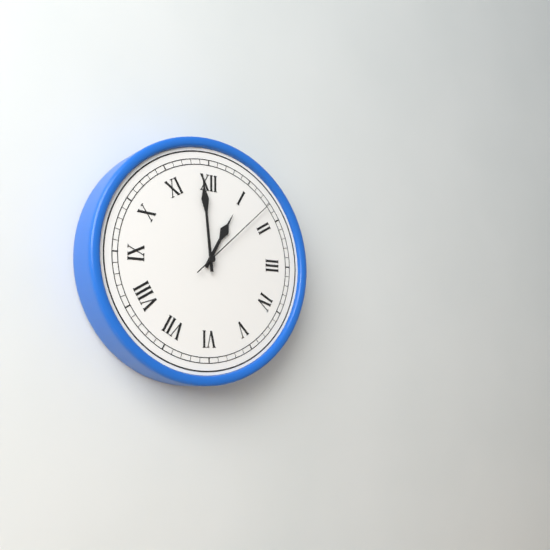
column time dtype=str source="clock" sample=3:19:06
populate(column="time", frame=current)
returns 12:59:08
